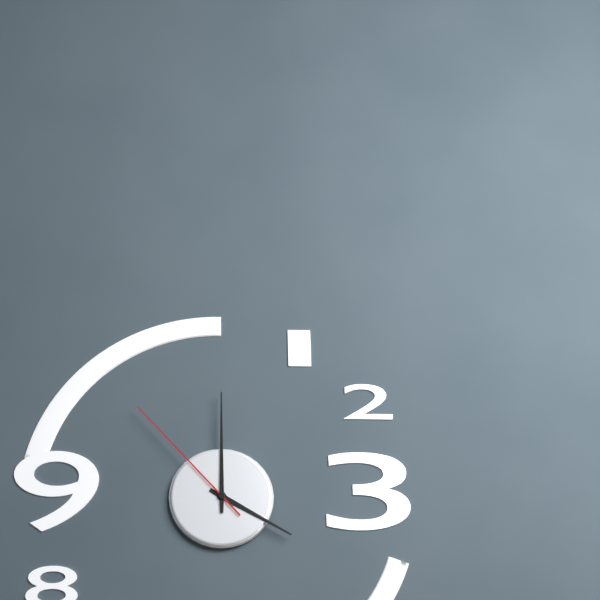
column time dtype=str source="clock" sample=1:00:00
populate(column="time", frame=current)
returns 4:00:53
